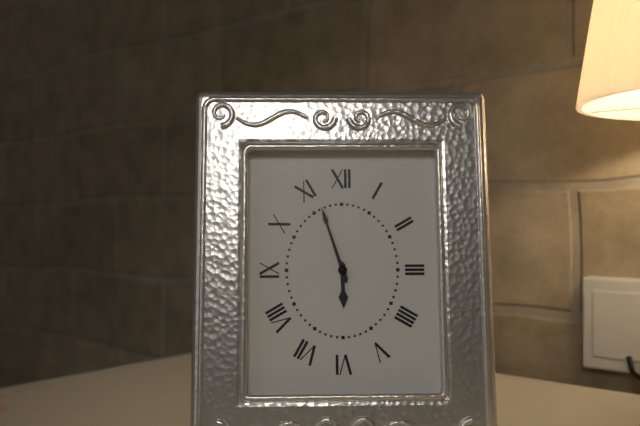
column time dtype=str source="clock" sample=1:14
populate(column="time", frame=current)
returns 5:57
